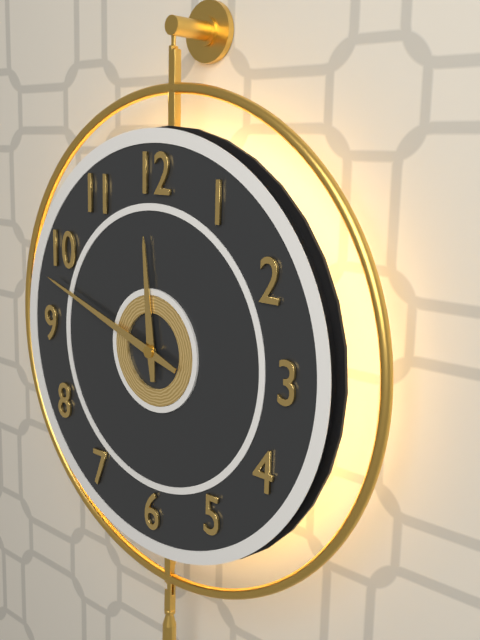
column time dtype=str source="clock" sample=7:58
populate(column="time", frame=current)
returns 11:48
